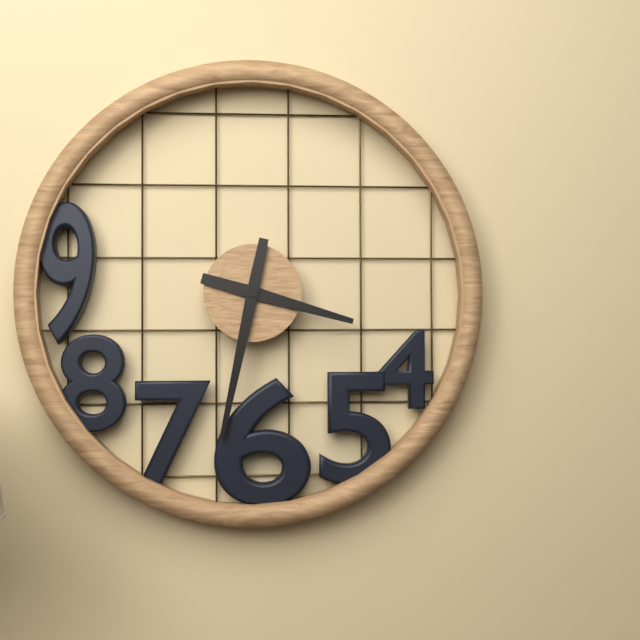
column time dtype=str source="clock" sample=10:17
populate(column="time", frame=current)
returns 3:32
